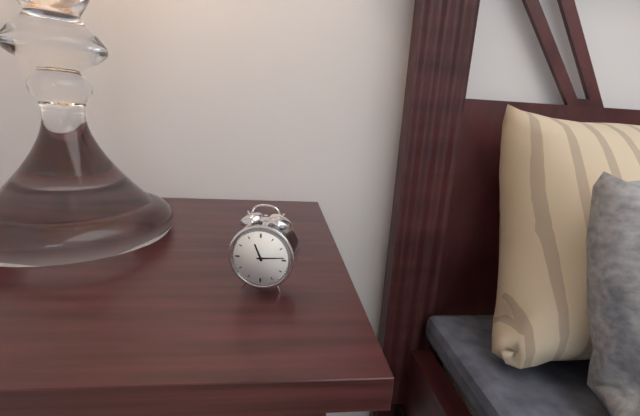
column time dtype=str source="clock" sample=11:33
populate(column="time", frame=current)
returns 11:14
